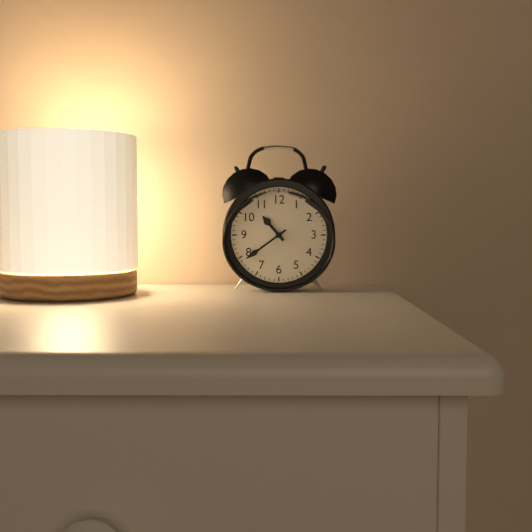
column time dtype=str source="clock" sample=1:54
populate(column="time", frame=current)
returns 10:39
